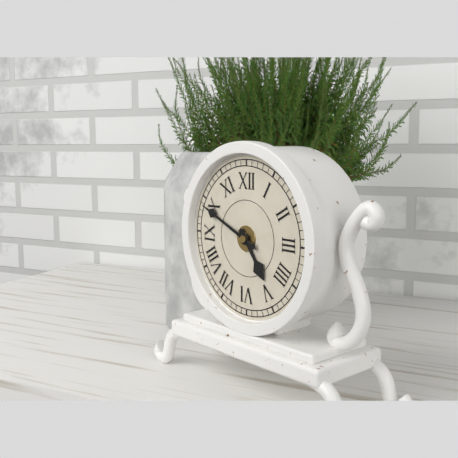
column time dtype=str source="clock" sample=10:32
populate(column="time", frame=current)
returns 4:49
